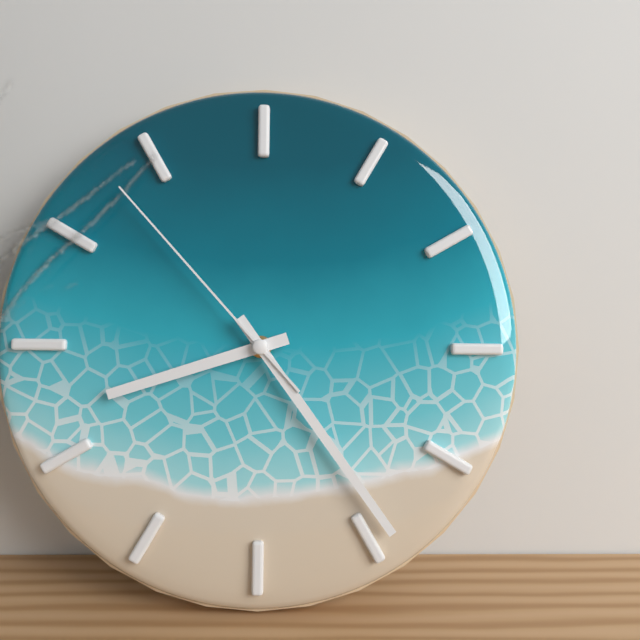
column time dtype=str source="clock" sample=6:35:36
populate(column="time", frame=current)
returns 8:24:53
